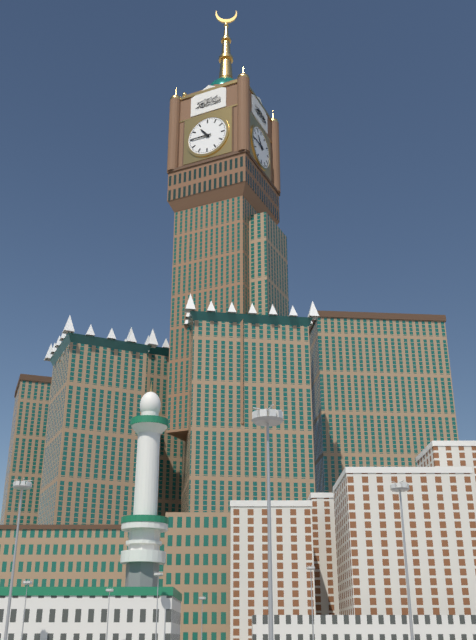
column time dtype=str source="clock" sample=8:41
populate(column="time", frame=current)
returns 10:45
